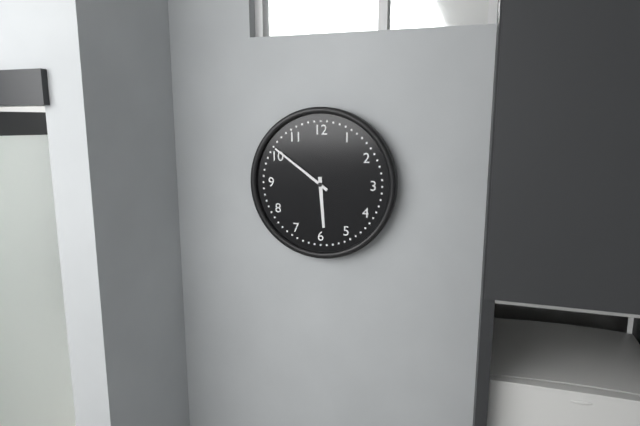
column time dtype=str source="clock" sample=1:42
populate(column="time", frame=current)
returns 5:51
